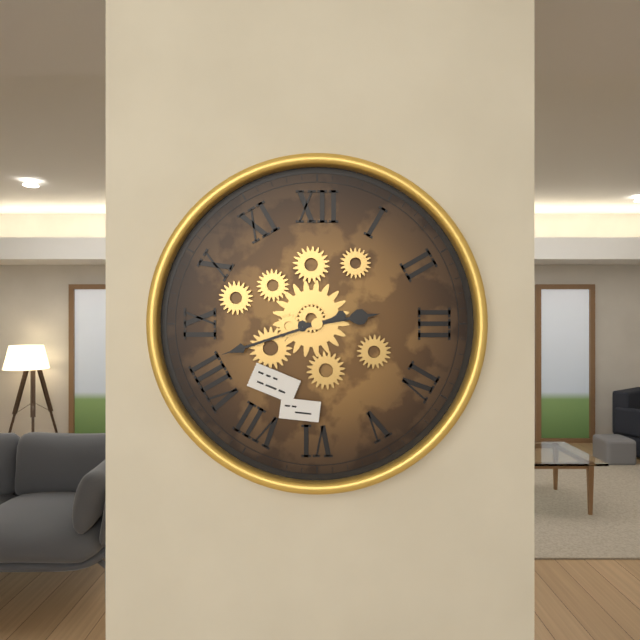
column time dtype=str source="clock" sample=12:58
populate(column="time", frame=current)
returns 2:42
